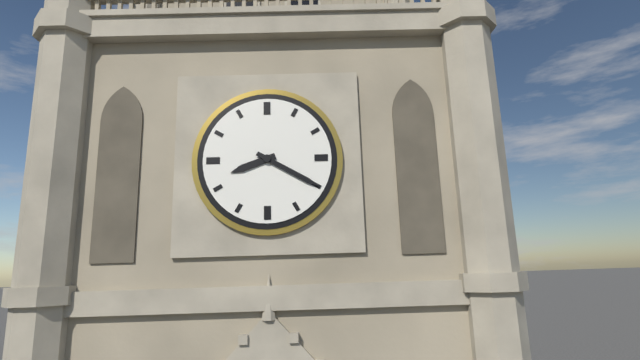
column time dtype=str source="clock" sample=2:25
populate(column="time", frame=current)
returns 8:20
